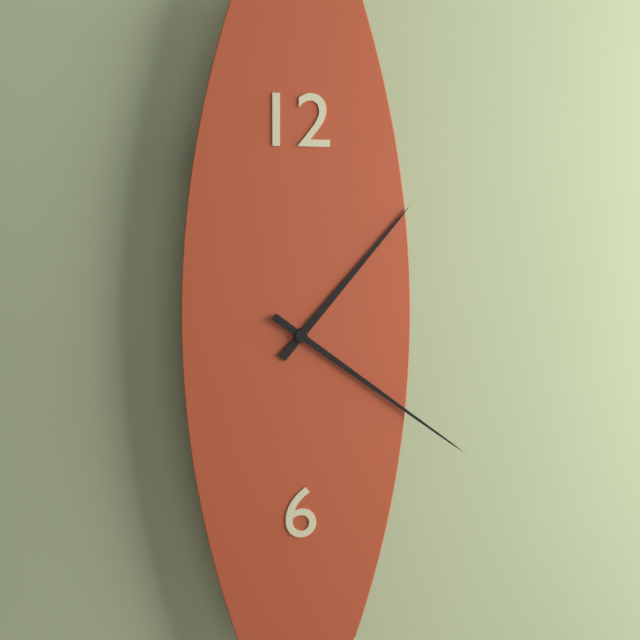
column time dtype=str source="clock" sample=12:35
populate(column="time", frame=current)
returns 1:21
